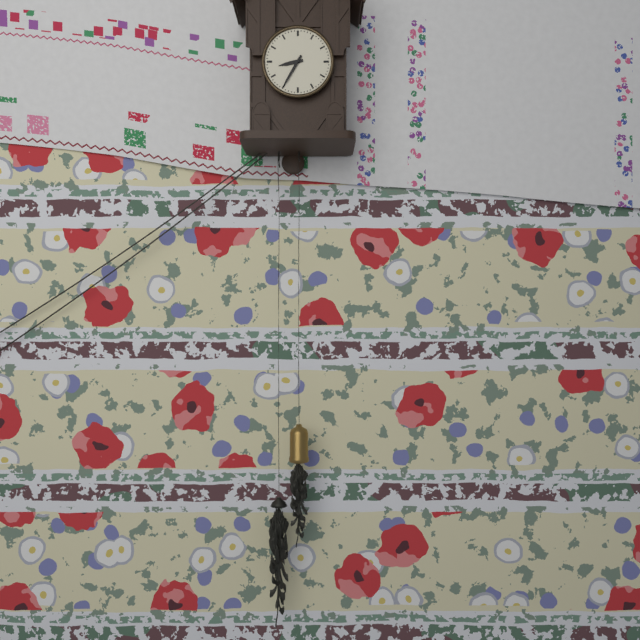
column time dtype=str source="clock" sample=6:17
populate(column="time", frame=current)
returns 8:35
